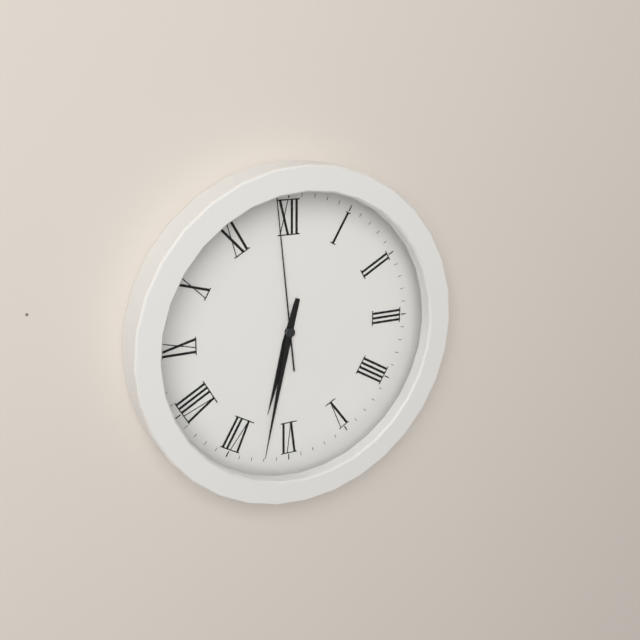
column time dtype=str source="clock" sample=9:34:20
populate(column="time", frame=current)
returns 6:32:59
